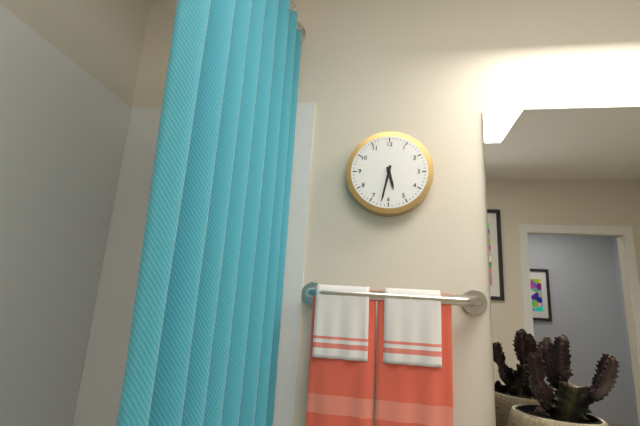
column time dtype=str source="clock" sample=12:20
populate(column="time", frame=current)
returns 5:32
